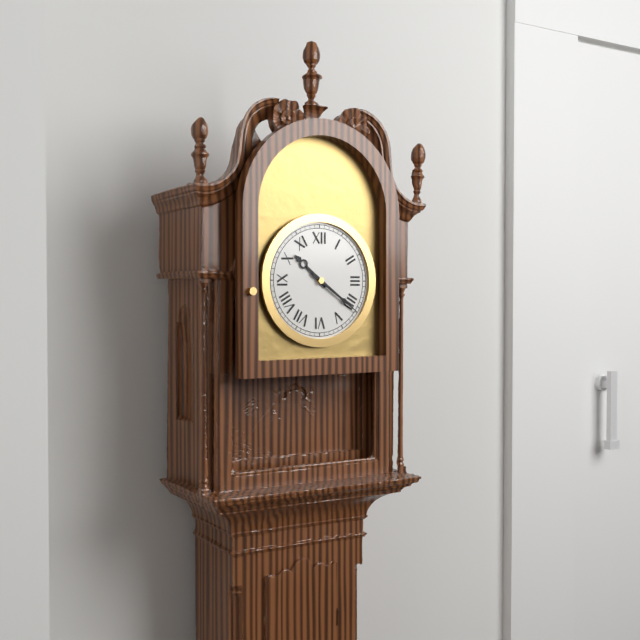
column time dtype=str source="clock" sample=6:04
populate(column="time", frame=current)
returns 10:21
